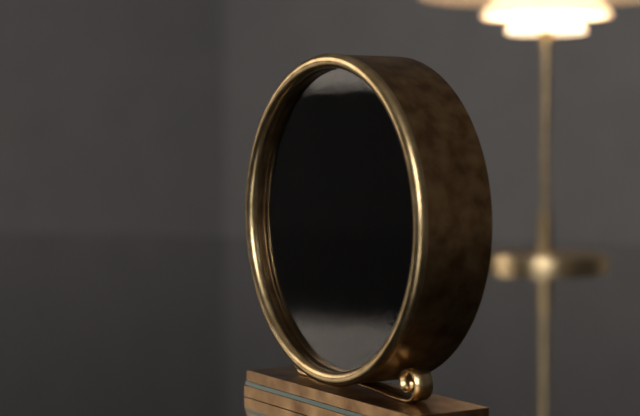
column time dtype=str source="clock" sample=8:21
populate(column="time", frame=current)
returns 10:55
